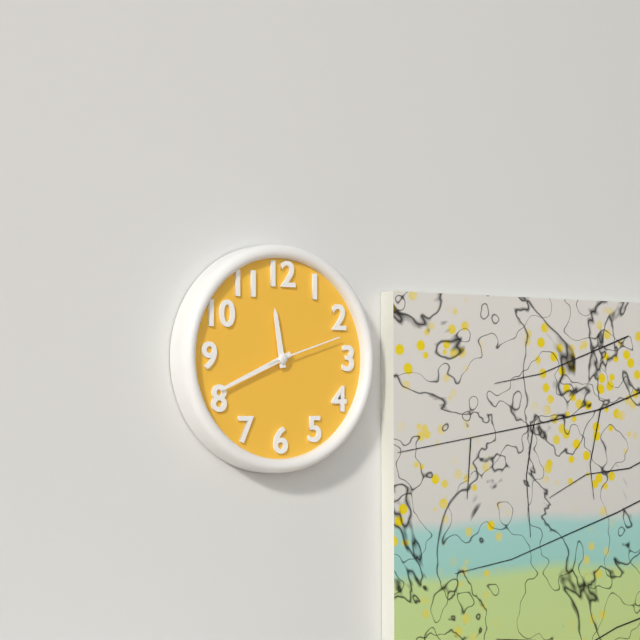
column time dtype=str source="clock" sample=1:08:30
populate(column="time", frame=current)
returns 11:41:12
